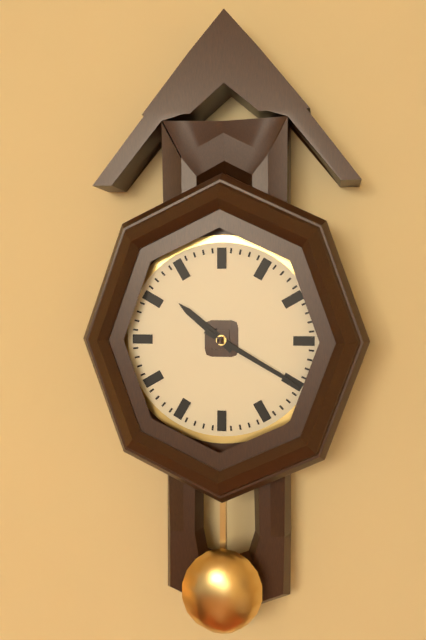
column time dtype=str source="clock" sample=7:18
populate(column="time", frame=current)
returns 10:20
